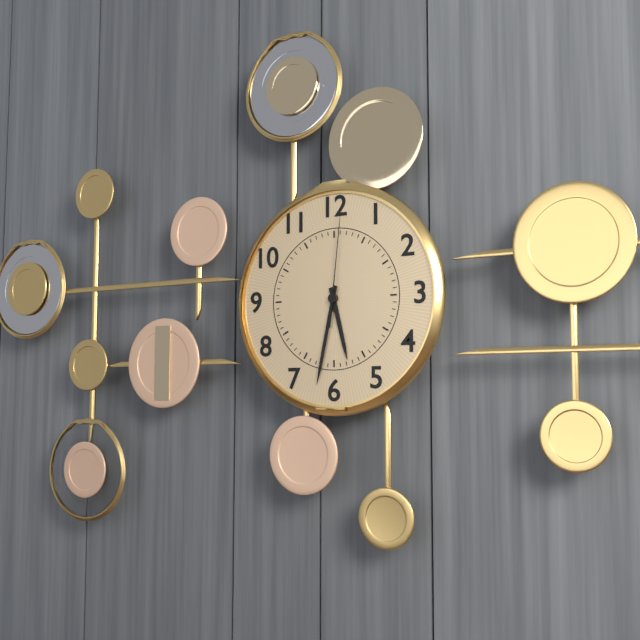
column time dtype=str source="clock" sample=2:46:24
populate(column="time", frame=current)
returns 5:32:01
